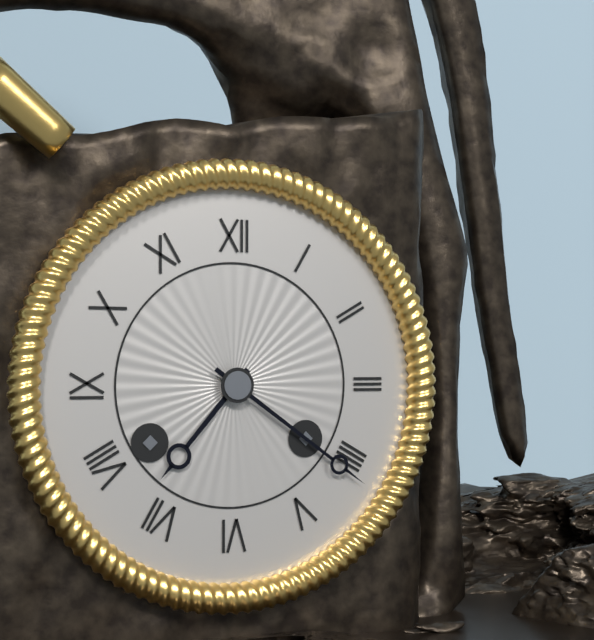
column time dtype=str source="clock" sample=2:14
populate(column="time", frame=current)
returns 7:21
